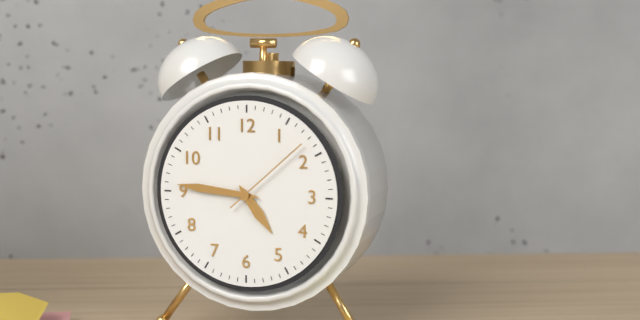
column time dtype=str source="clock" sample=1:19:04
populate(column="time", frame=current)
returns 4:46:08
